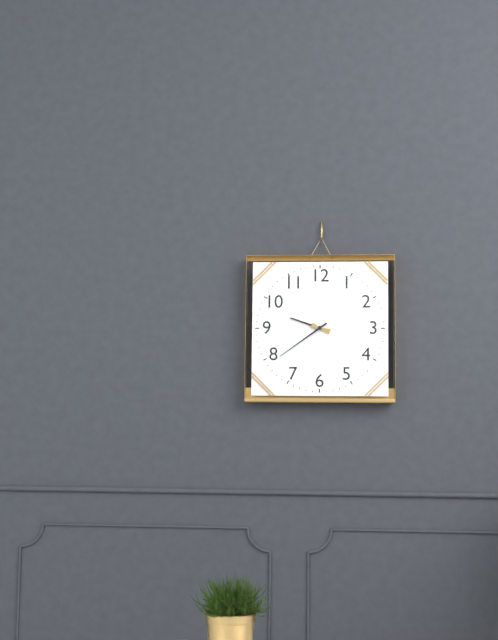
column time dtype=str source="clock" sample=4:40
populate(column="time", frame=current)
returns 9:39
